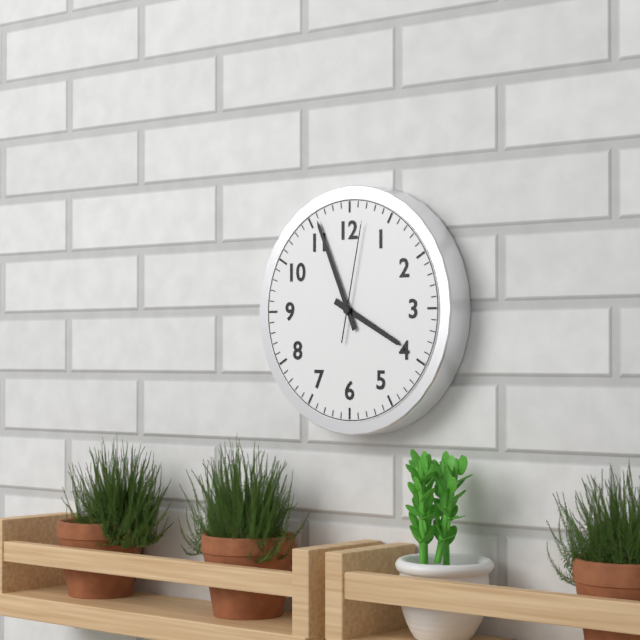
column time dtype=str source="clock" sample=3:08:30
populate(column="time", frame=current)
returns 3:56:02
